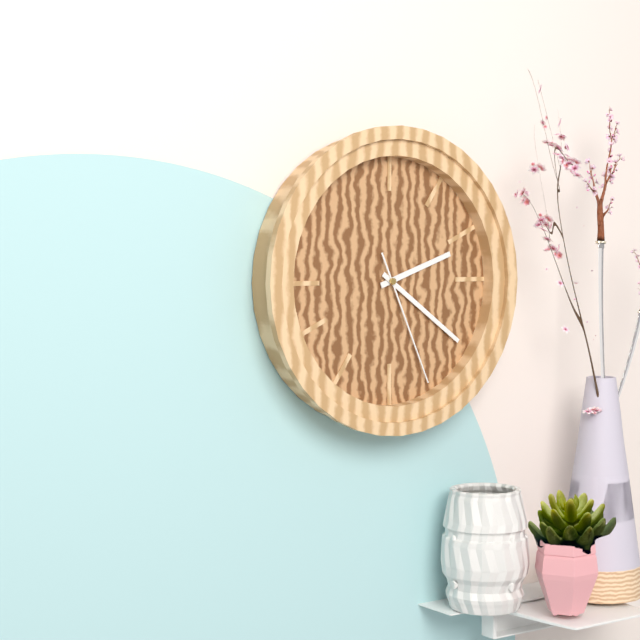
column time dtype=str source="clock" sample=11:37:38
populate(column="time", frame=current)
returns 2:21:26
